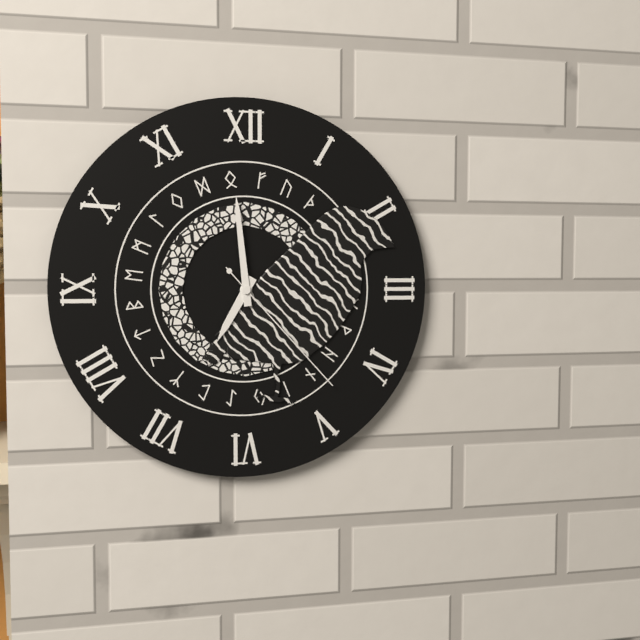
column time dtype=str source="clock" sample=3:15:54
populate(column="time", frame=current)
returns 6:59:23
